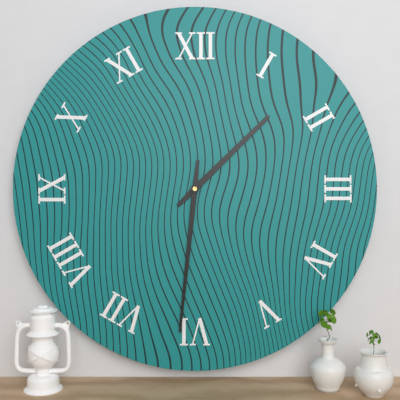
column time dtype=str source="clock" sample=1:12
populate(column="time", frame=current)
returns 1:31
